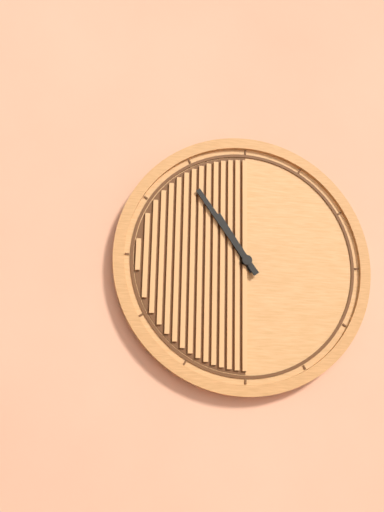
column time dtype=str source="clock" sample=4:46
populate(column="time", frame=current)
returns 10:54
